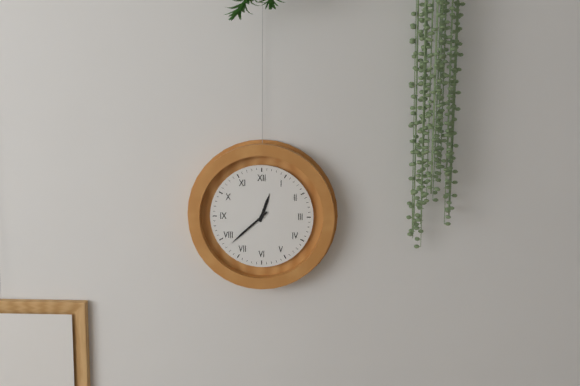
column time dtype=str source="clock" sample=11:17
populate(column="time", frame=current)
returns 12:38
